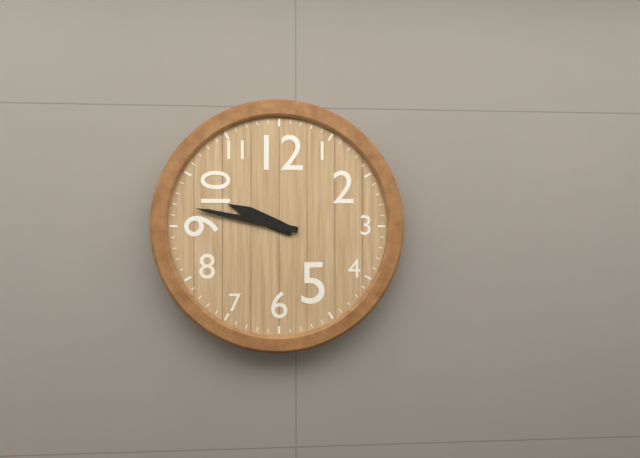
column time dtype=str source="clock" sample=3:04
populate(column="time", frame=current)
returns 9:47
